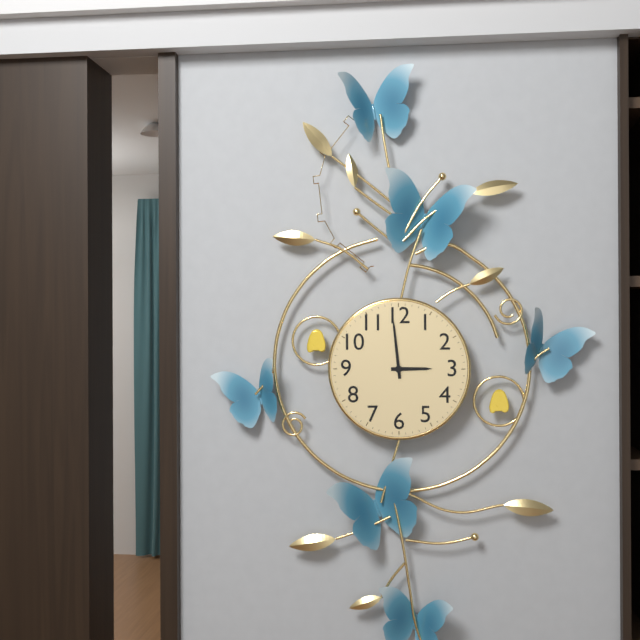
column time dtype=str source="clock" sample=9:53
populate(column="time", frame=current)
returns 2:59
